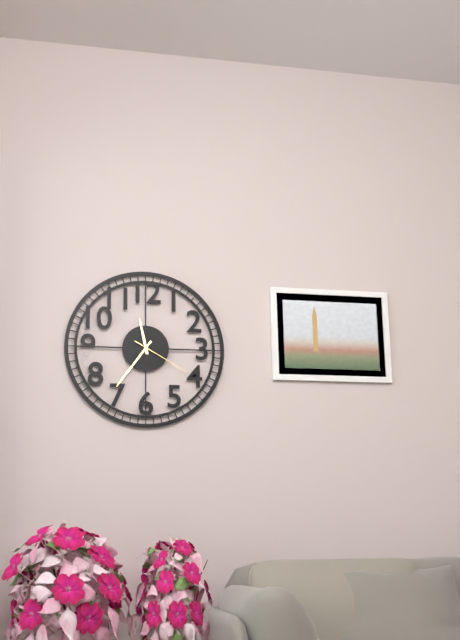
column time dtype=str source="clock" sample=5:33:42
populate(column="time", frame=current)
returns 11:36:20
